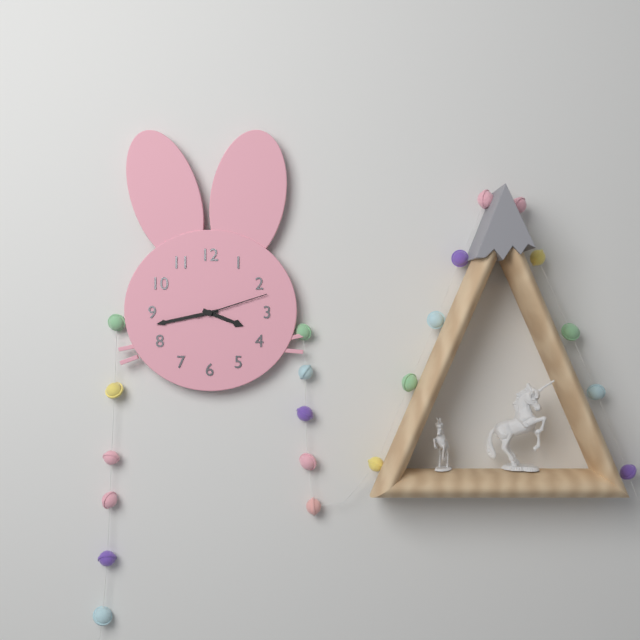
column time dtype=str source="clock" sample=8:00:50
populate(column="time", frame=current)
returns 3:43:12
